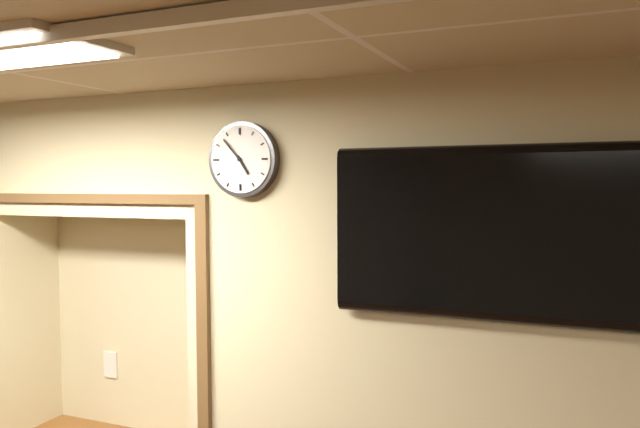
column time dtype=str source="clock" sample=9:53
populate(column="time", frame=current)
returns 4:53
